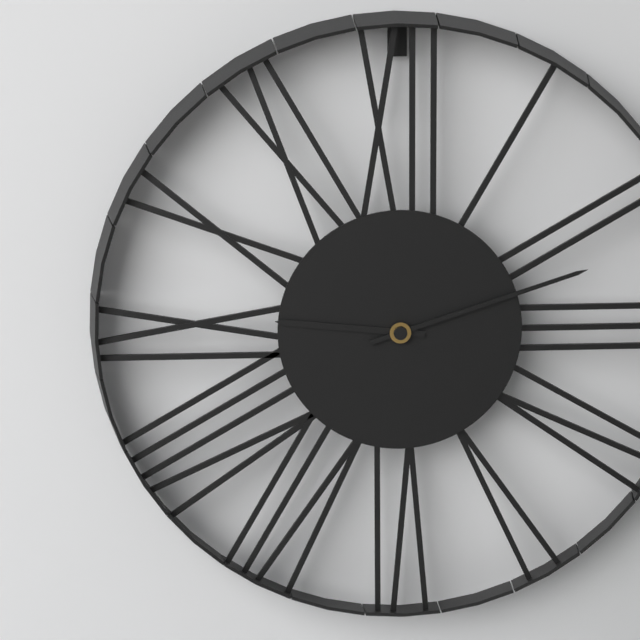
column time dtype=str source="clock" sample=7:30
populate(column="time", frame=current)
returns 9:12
